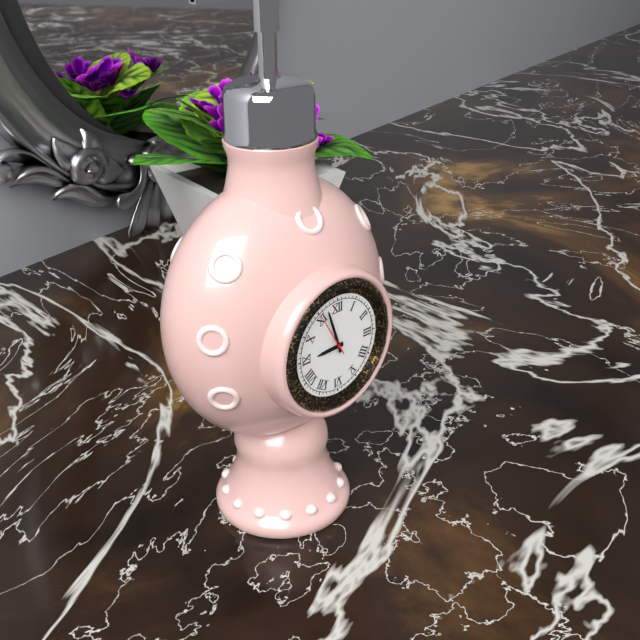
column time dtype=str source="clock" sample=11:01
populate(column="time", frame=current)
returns 8:57
